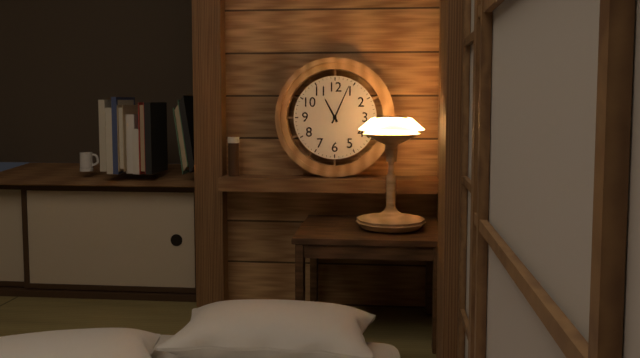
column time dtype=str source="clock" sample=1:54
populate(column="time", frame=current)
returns 11:04
